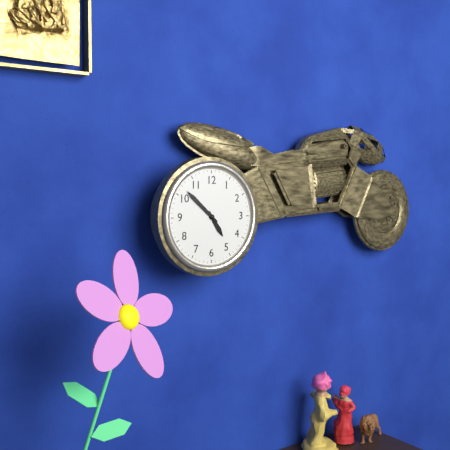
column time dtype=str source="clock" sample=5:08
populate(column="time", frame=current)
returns 4:52
